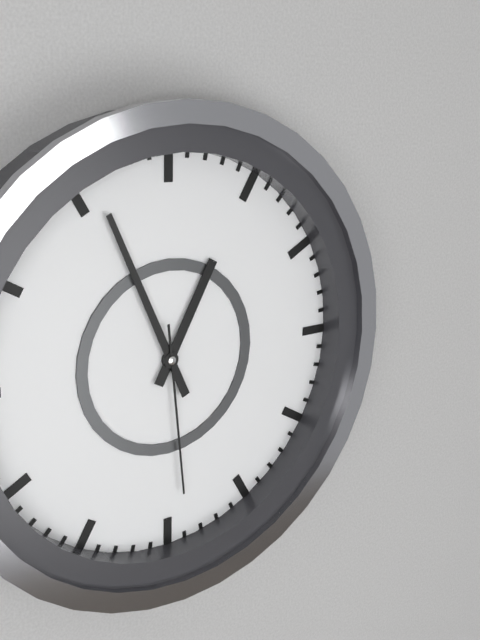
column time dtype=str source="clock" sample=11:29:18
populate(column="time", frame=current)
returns 12:56:29
